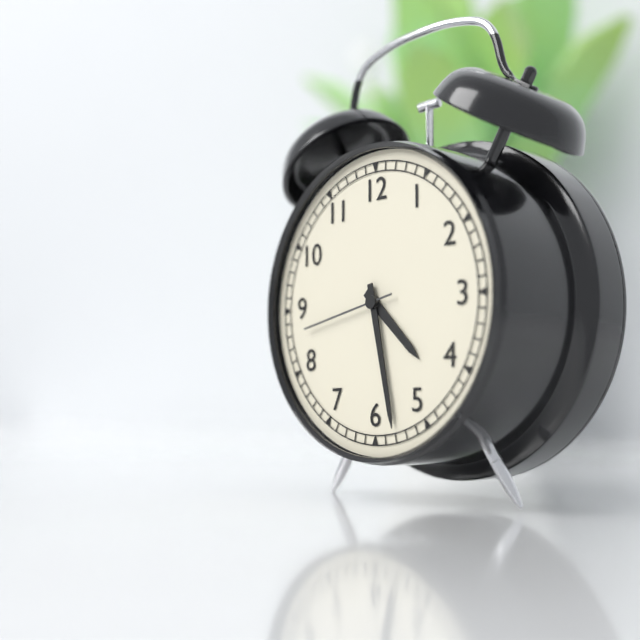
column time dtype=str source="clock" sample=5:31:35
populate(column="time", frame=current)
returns 4:28:43
